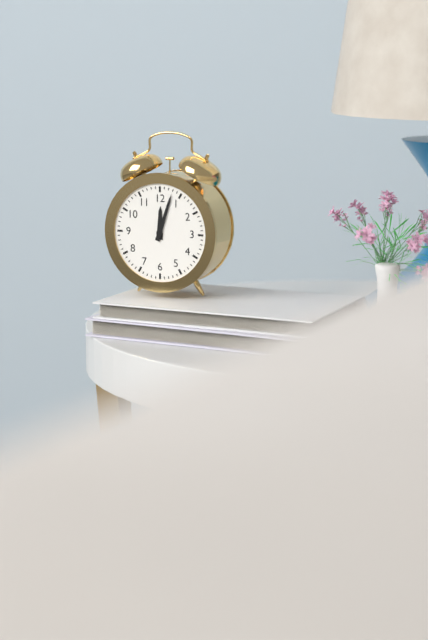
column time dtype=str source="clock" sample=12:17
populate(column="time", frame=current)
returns 12:03
